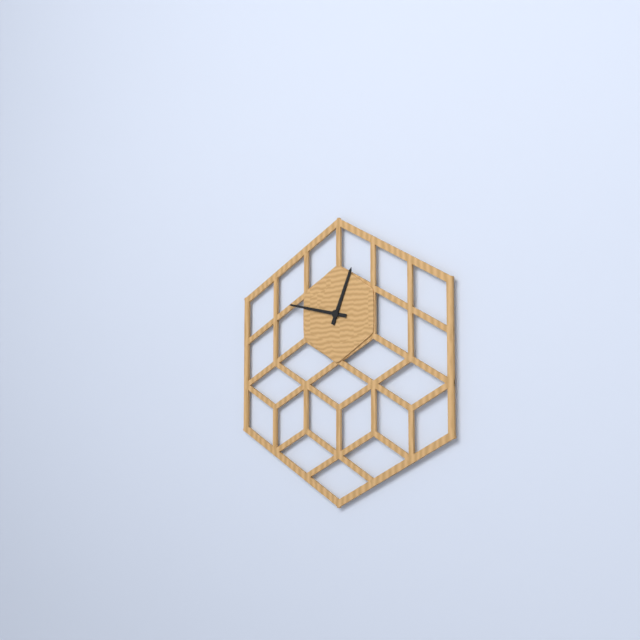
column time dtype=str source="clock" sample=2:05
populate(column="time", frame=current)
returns 12:47
